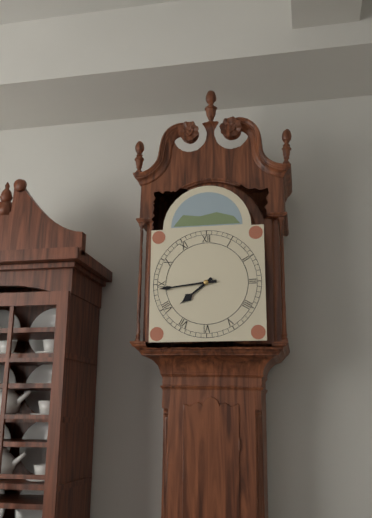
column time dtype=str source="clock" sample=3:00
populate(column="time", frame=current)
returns 7:44
